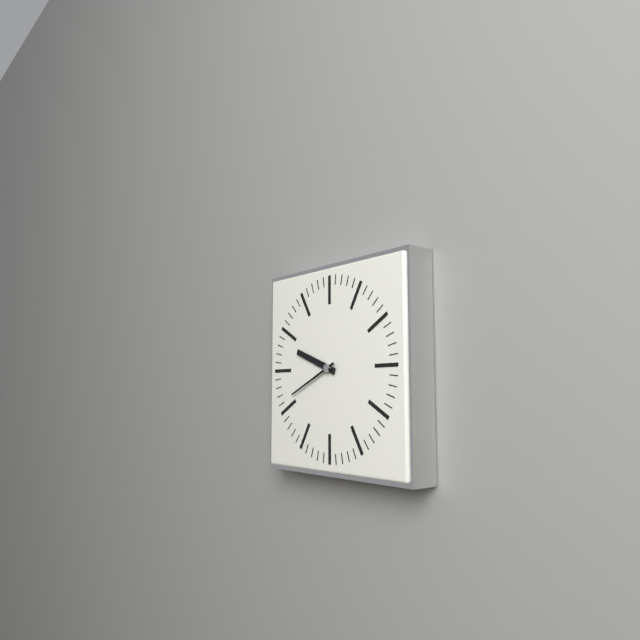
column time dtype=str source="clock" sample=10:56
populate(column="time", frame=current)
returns 9:41
